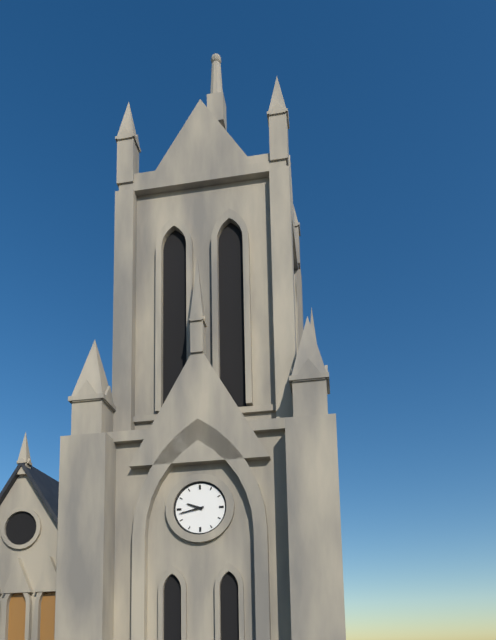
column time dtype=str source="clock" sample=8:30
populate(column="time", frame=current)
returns 9:43
